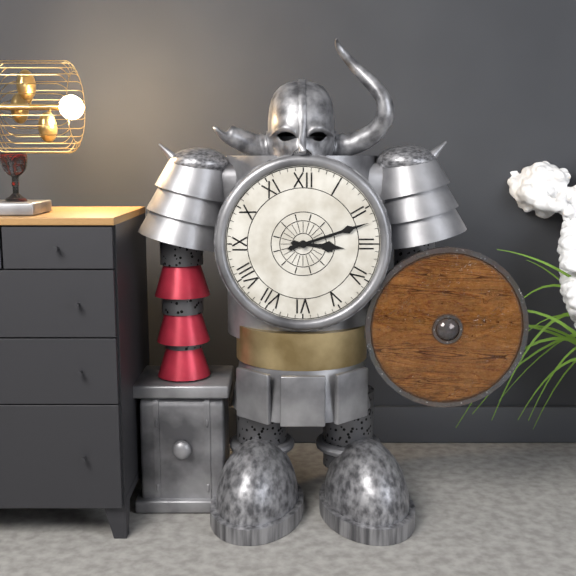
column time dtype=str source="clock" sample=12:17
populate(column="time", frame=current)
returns 3:12
